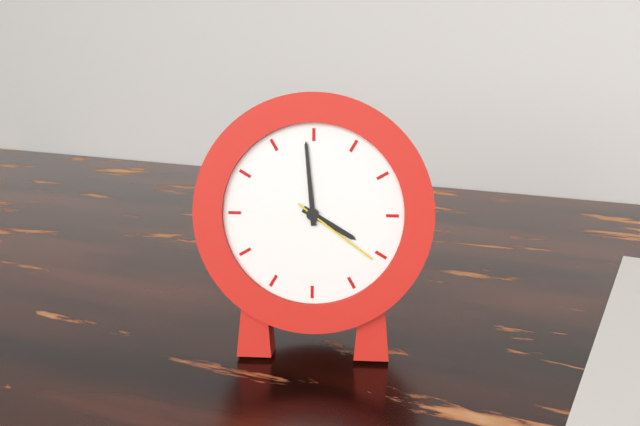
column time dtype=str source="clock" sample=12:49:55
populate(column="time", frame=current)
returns 3:59:21
